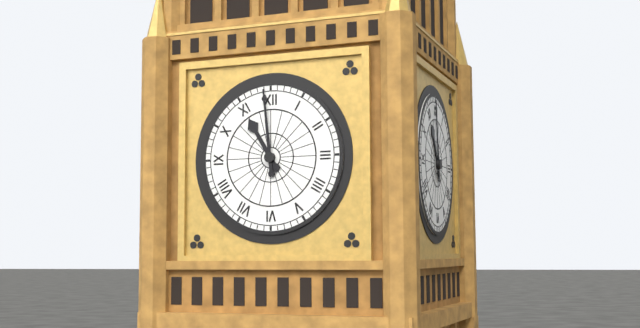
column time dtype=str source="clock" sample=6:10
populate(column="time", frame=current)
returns 10:59
